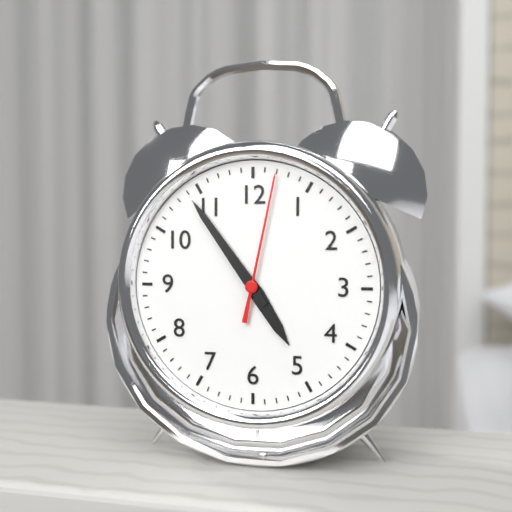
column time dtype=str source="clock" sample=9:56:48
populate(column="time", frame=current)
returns 4:54:02
